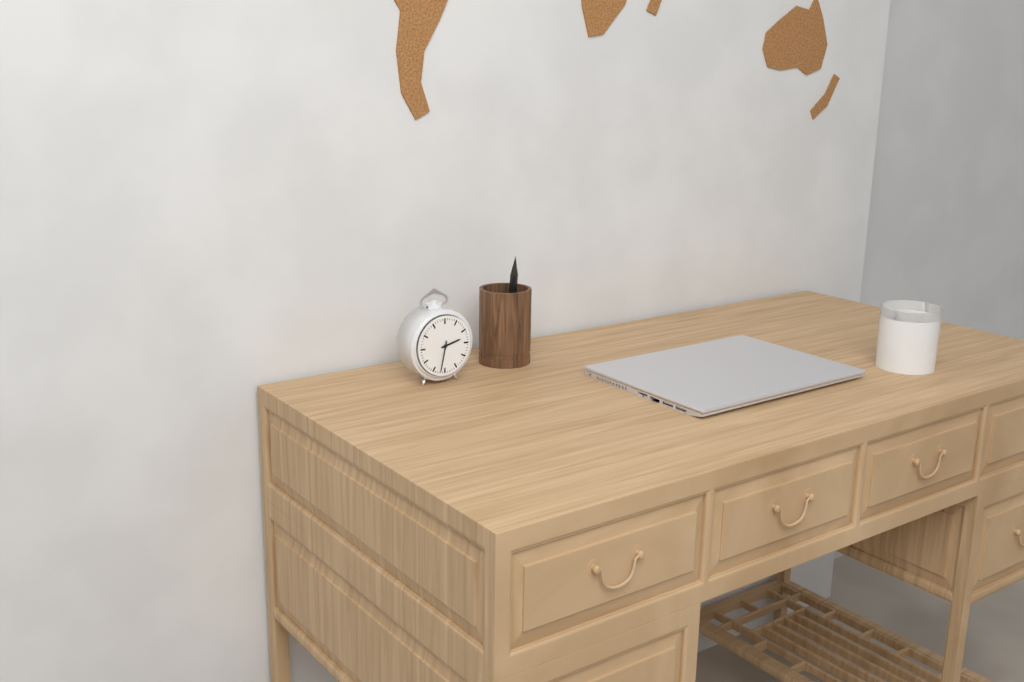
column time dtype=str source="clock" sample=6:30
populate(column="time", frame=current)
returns 2:32
